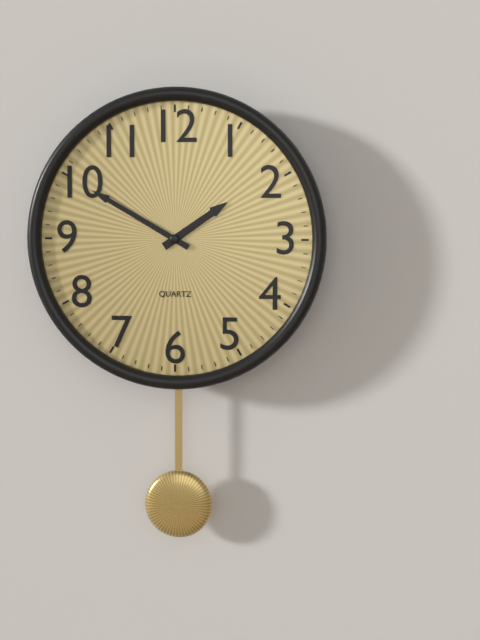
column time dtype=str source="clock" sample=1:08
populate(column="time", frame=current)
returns 1:50
